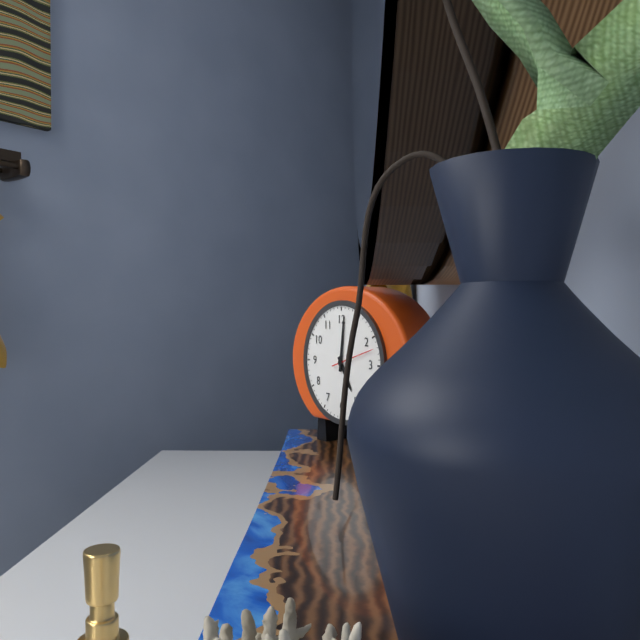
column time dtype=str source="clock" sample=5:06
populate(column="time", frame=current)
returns 5:01
